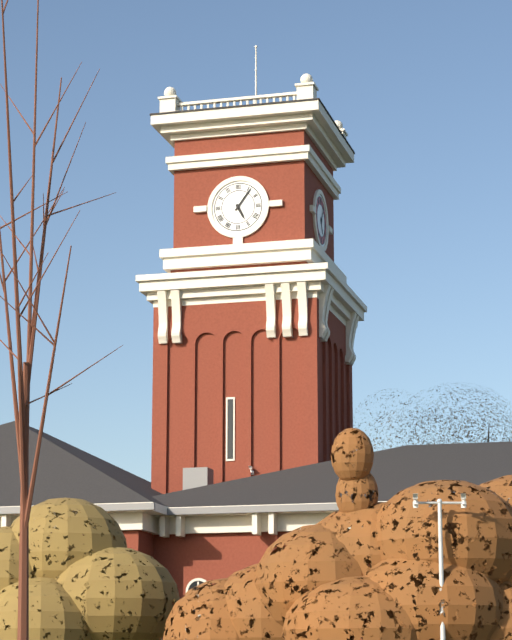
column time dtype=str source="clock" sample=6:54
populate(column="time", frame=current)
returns 5:06
